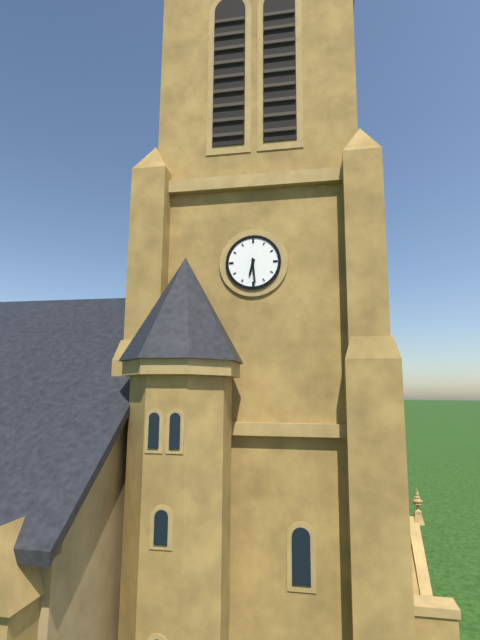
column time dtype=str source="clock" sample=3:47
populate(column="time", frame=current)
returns 6:29
